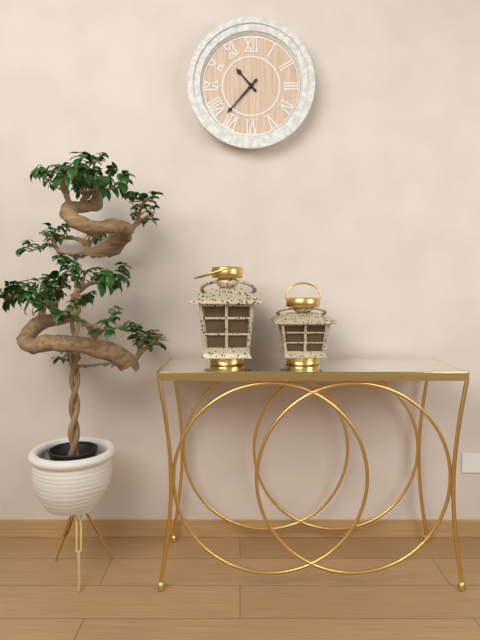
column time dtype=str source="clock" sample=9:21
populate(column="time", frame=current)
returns 10:37
